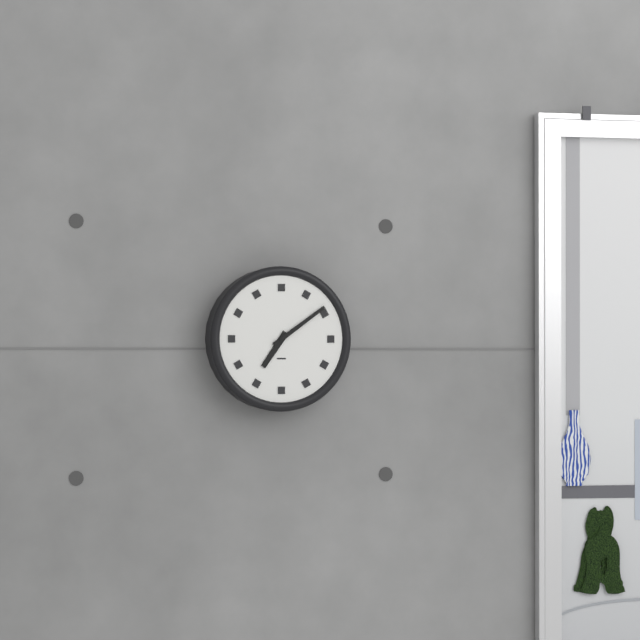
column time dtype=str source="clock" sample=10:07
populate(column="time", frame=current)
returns 7:09
